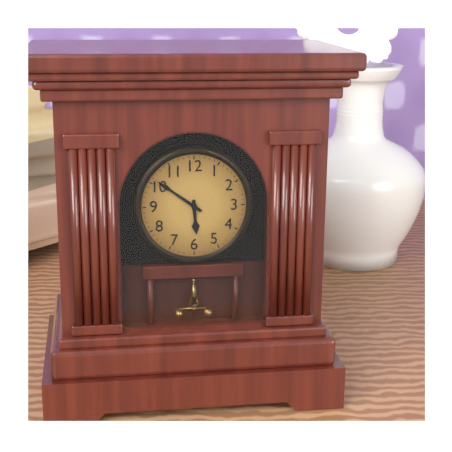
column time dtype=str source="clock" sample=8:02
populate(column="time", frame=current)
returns 5:51
